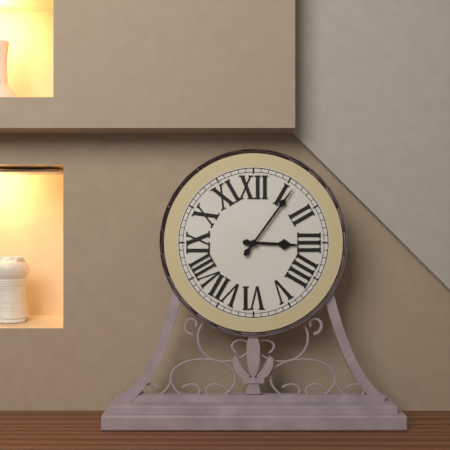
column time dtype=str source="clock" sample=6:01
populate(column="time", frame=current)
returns 3:06
